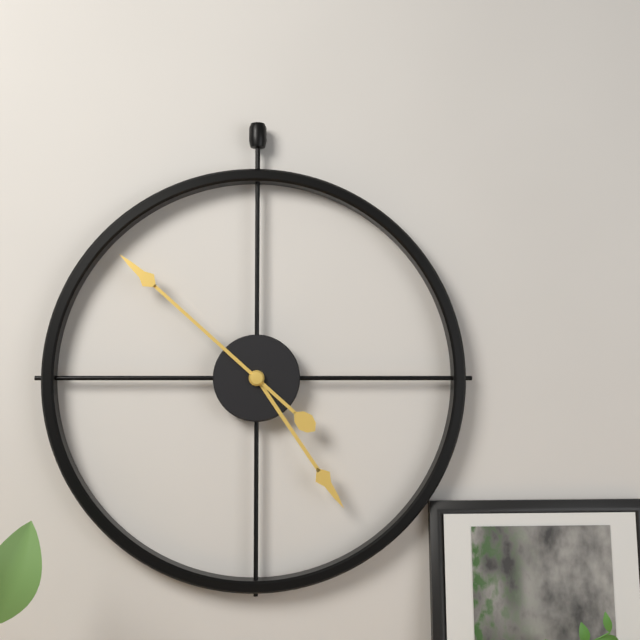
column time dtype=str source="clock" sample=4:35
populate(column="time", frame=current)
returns 4:52
